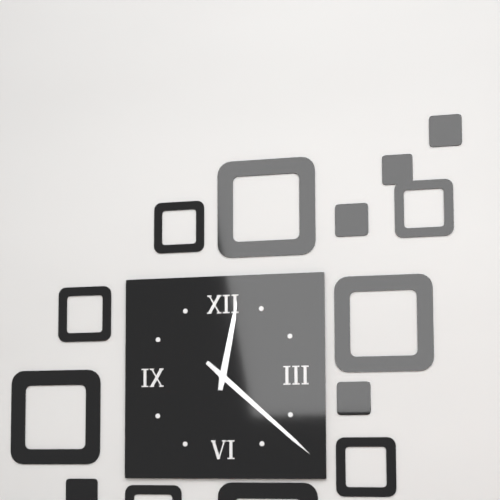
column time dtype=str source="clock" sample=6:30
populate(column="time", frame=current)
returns 12:22
